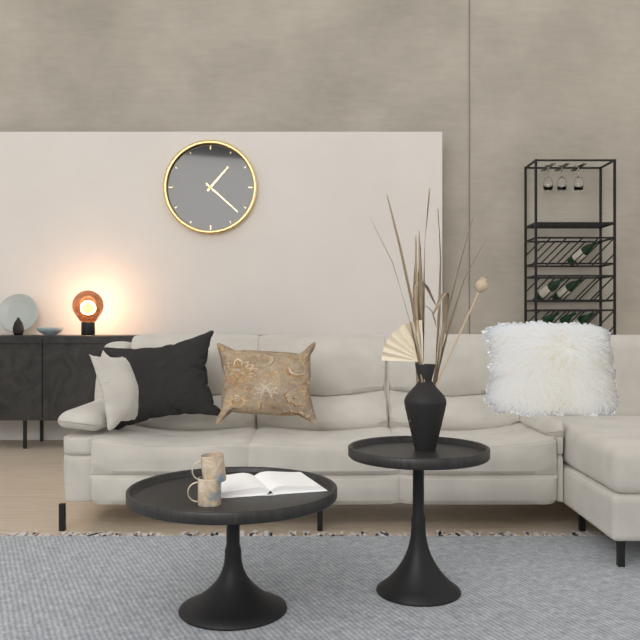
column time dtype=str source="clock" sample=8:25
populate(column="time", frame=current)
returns 1:22
